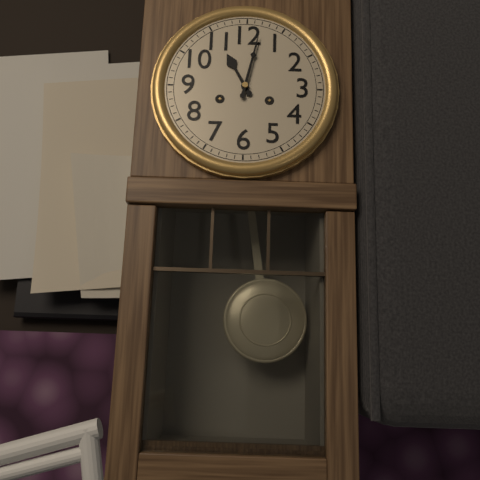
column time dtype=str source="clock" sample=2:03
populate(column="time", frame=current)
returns 11:02
